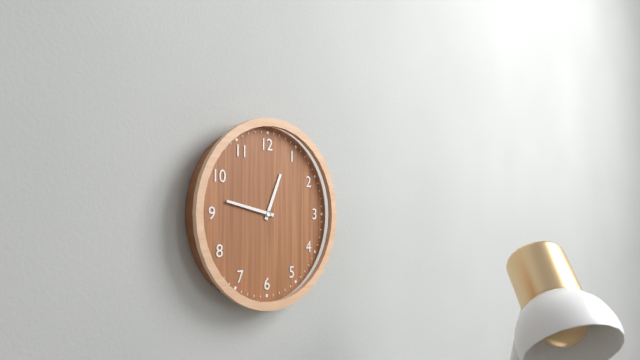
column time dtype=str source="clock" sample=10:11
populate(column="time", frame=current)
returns 12:47
